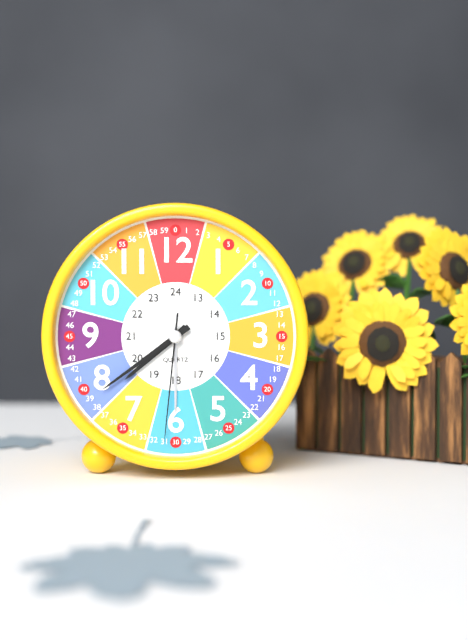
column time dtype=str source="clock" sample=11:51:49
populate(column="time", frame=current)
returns 7:39:31
